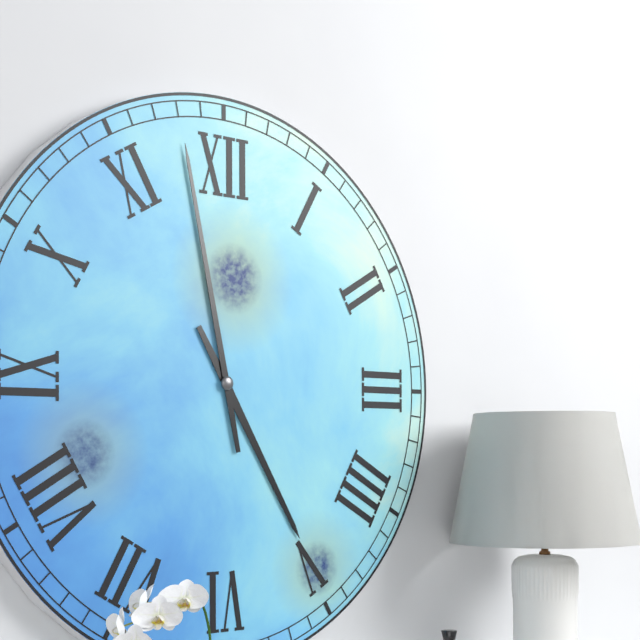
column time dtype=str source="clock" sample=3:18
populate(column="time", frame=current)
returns 4:58
